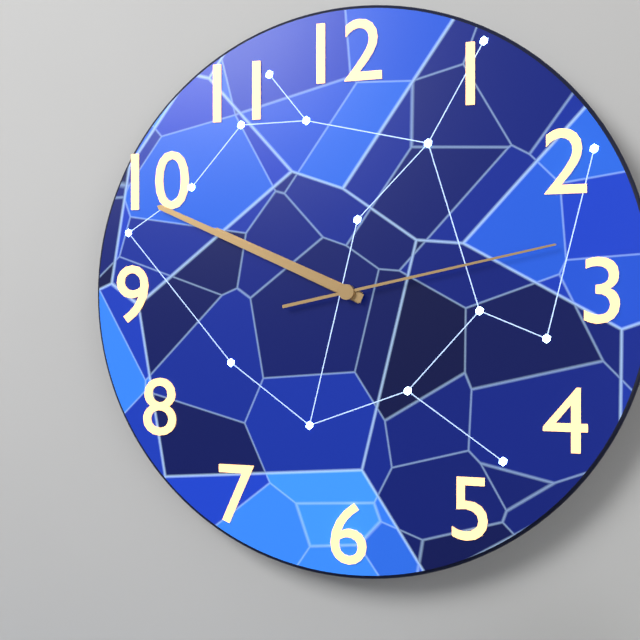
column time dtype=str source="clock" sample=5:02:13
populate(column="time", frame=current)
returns 9:49:13
